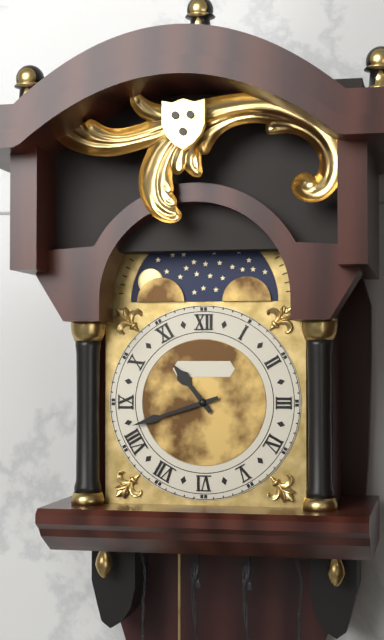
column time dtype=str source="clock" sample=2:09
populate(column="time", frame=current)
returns 10:42
